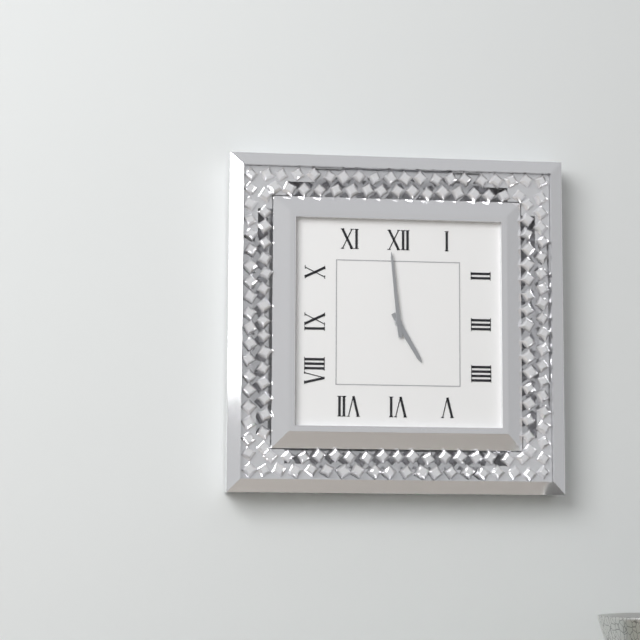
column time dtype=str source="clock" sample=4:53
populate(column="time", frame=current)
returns 4:59
